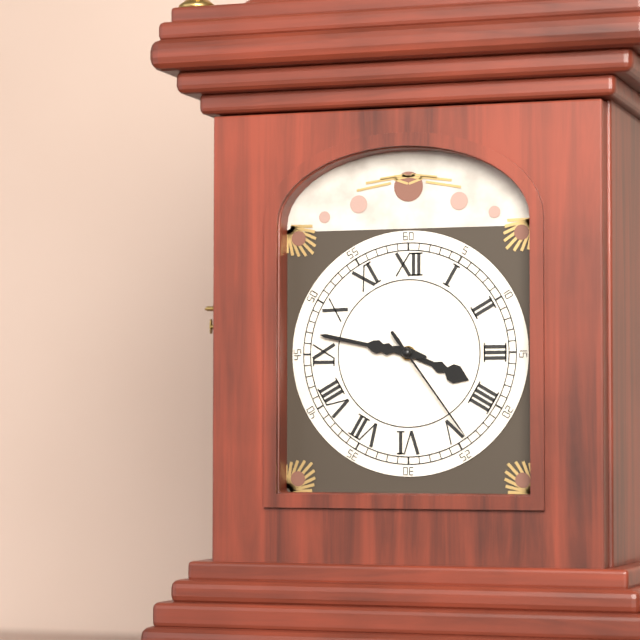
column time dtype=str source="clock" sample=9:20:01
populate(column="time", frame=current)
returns 3:47:24
